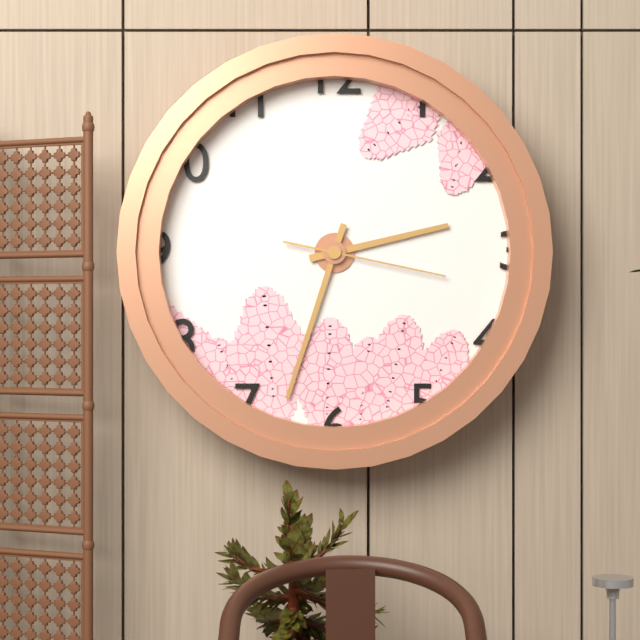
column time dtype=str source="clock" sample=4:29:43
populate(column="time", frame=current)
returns 2:33:17
